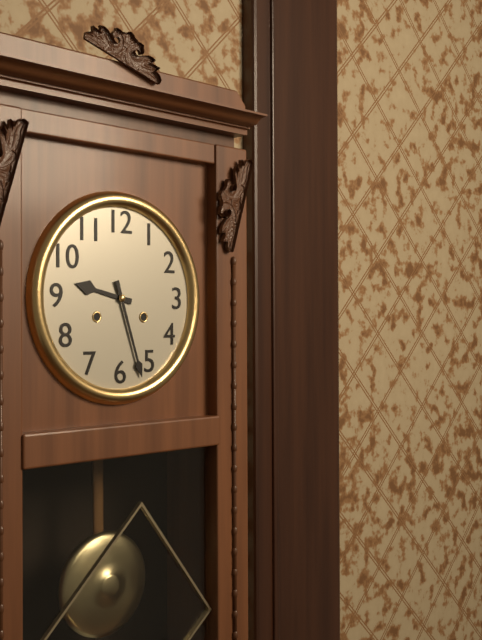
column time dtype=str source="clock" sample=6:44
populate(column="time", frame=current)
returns 9:27
